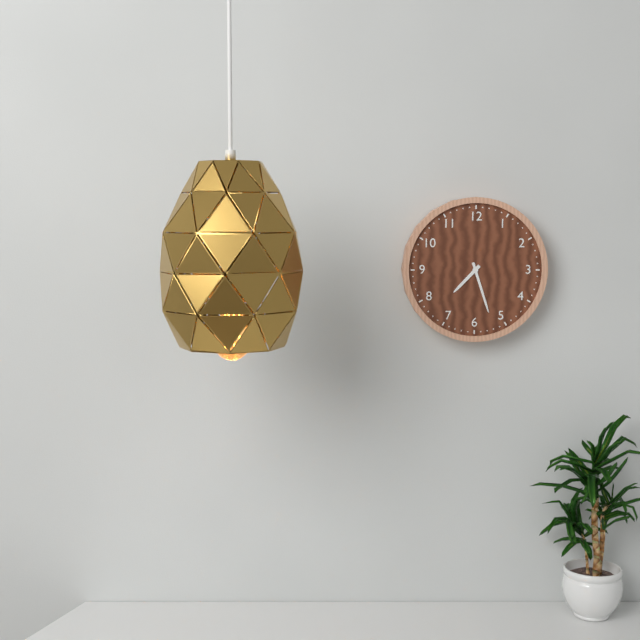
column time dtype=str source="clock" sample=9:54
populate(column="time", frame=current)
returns 7:27
